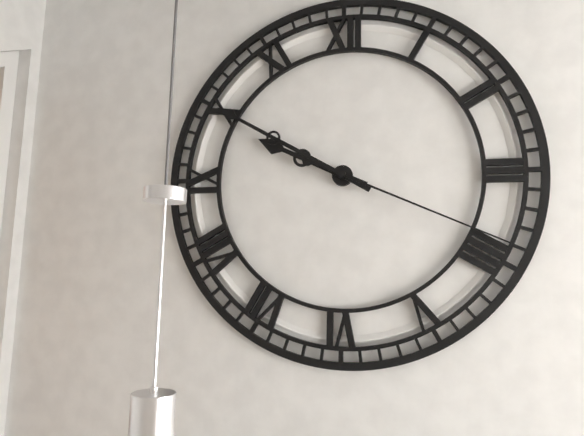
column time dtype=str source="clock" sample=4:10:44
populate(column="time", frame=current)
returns 9:50:19
